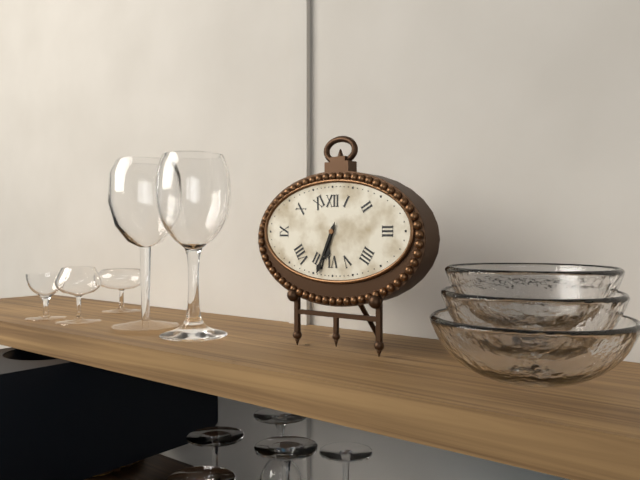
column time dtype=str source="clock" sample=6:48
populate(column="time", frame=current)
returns 6:34
